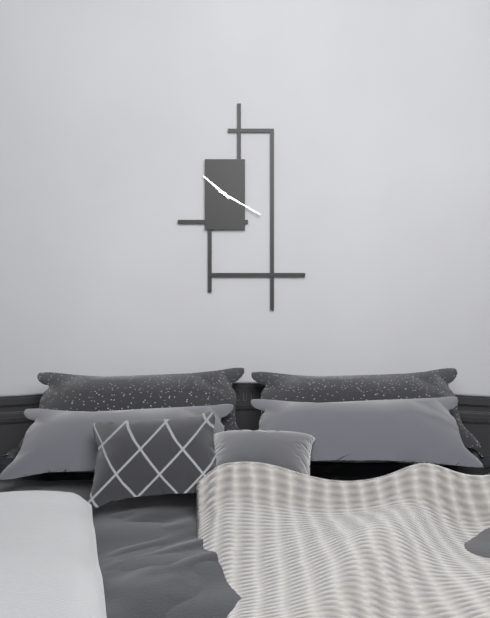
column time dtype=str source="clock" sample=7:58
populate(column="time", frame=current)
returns 10:20
